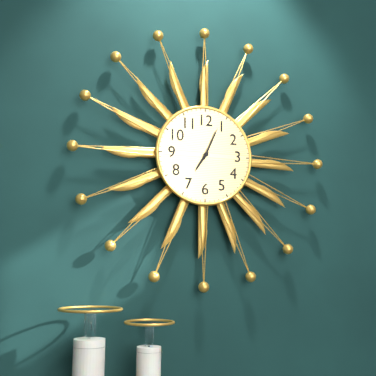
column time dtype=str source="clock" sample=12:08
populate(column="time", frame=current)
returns 7:04
